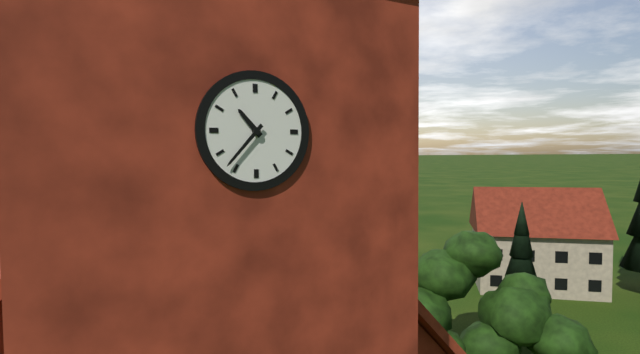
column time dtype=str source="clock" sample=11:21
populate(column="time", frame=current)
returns 10:37
